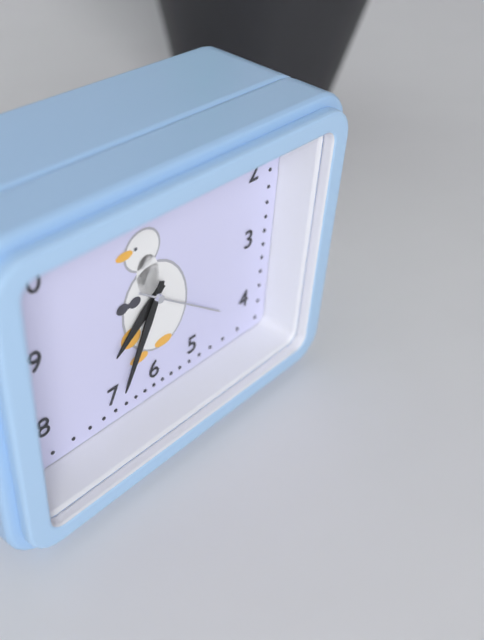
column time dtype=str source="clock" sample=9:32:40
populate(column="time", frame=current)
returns 7:34:21
